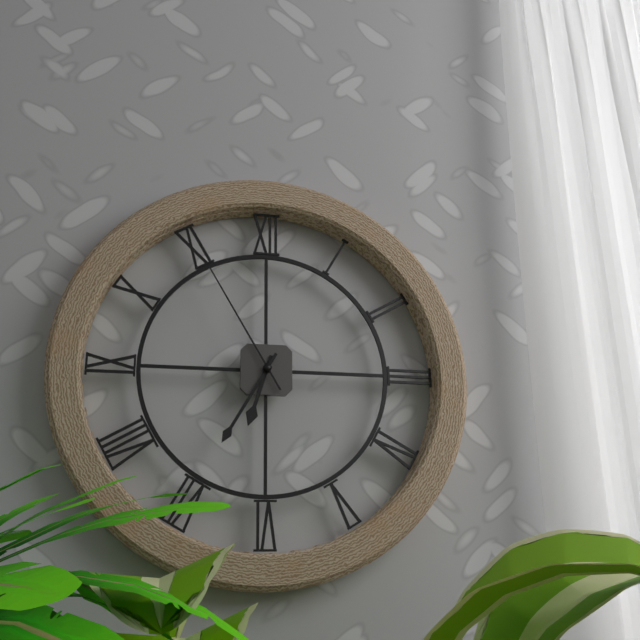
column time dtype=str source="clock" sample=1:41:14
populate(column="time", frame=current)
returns 6:35:55
